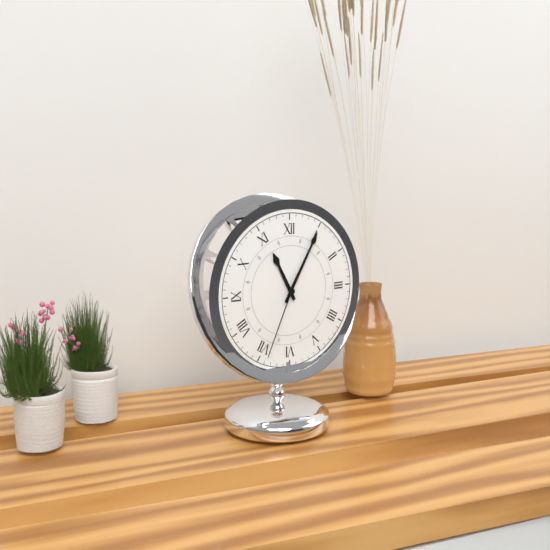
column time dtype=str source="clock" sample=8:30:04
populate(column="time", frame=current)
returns 11:05:34
